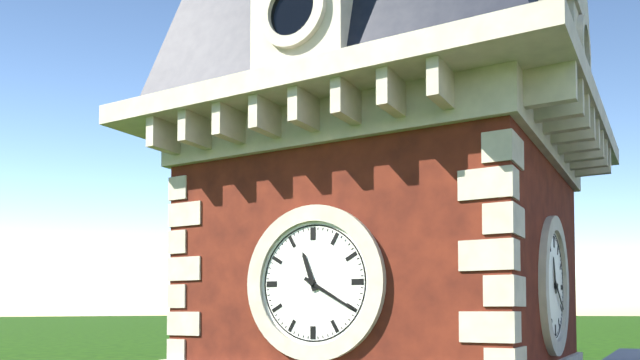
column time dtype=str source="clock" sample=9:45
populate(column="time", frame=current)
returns 11:20
